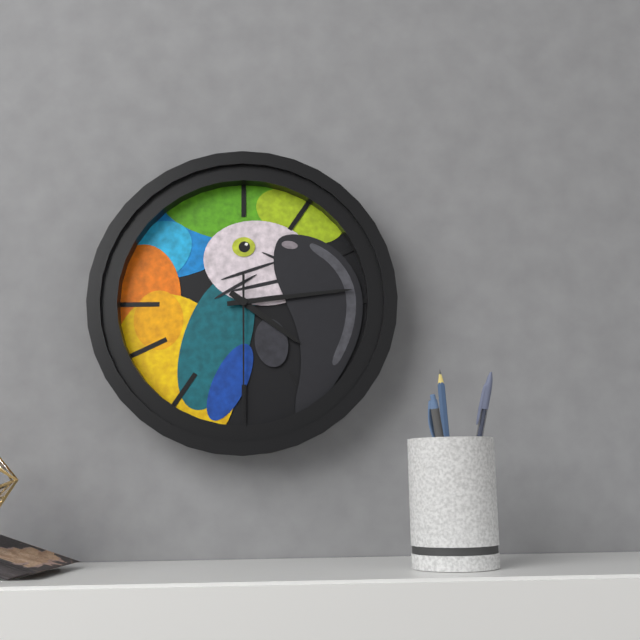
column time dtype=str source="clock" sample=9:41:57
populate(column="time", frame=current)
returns 4:14:30
